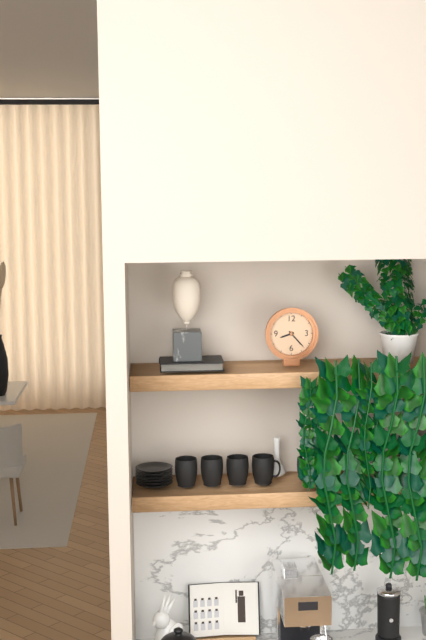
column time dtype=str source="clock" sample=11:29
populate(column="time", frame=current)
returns 8:23
